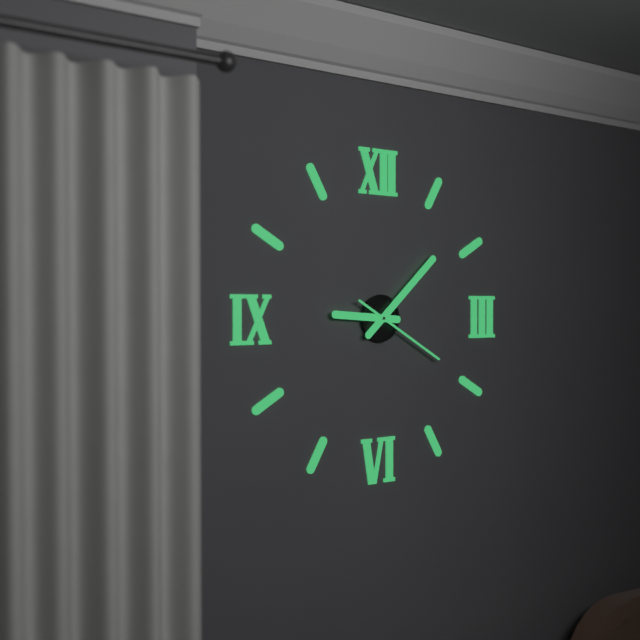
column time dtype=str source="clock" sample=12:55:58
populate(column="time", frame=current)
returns 9:08:20
